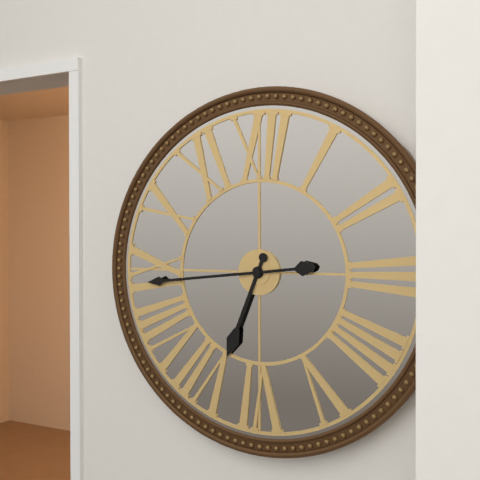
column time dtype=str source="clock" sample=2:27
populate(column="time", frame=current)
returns 6:44
